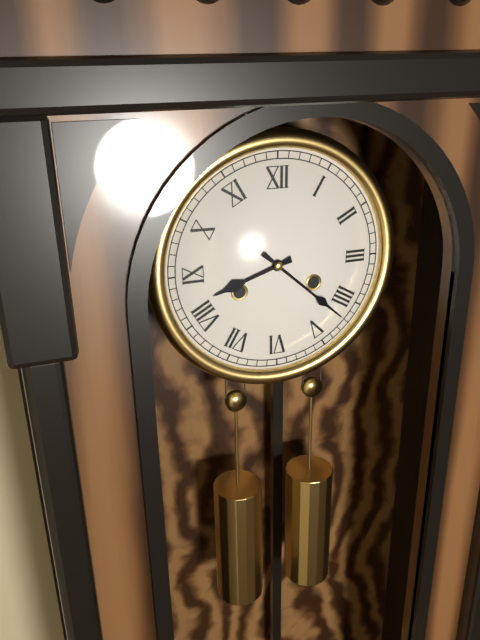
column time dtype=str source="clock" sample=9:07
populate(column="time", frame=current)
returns 8:22
